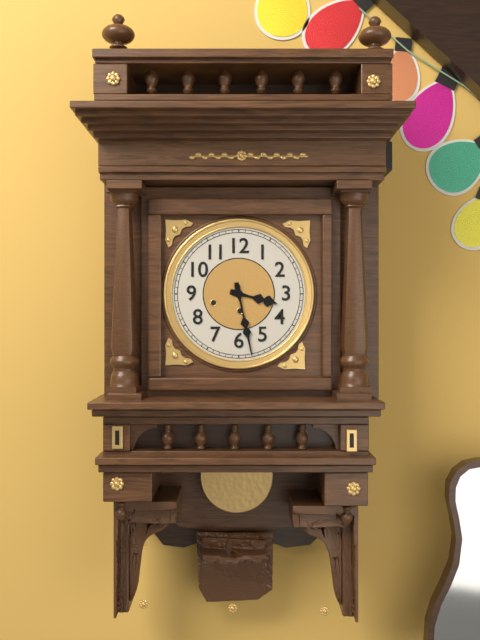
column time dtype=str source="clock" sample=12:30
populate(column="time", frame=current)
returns 3:28
